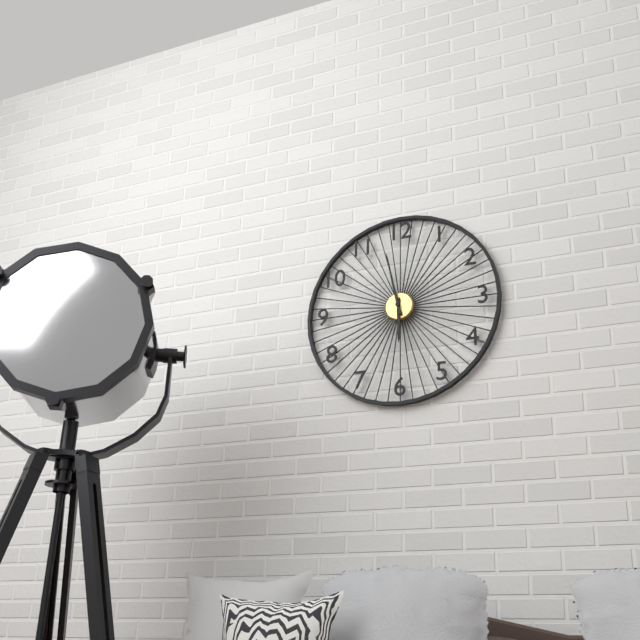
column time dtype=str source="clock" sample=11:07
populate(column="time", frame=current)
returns 5:58
